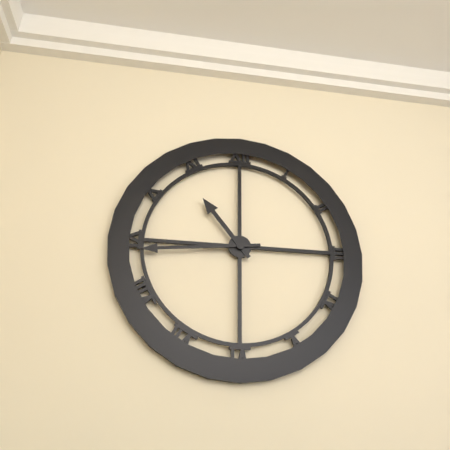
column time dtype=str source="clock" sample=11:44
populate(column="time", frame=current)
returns 10:44
